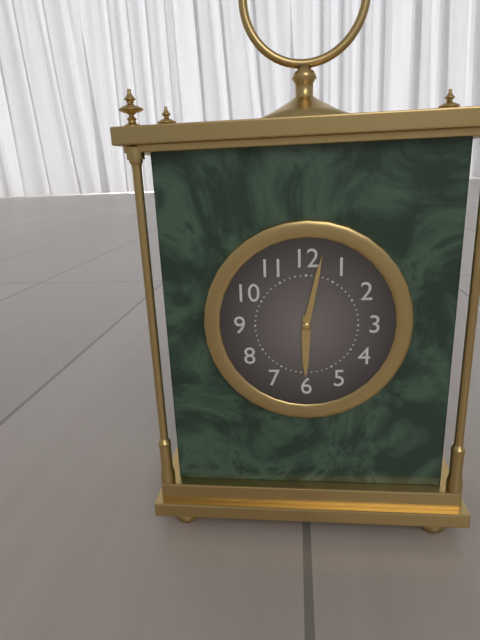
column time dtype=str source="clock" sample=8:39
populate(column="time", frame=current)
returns 6:02
